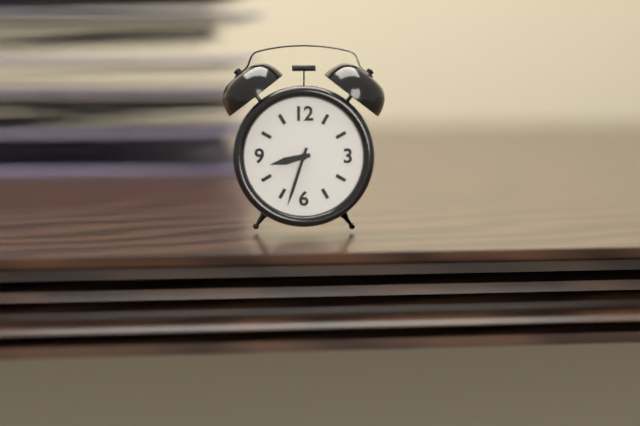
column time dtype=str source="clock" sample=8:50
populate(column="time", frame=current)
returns 8:33
